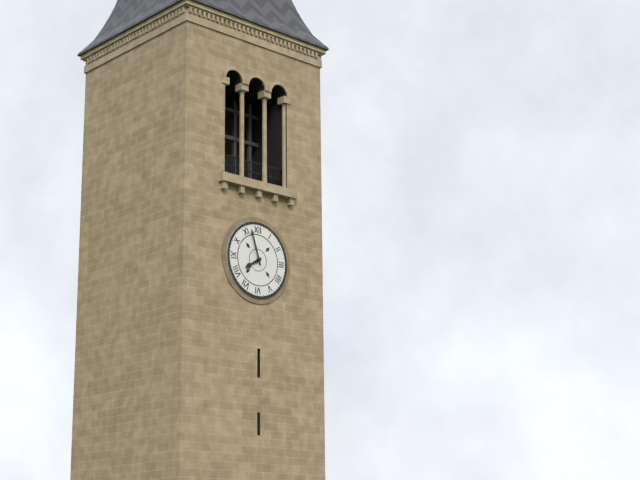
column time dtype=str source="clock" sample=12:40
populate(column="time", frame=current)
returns 7:57
